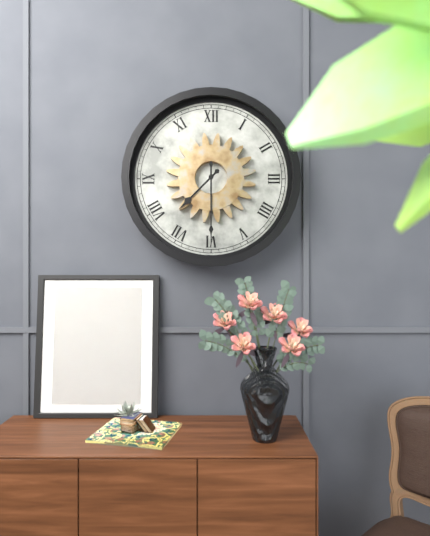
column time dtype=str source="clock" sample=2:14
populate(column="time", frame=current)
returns 7:30
